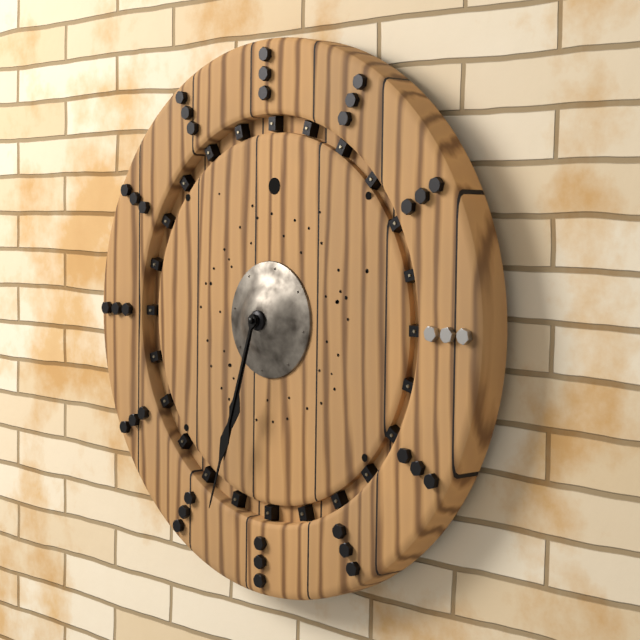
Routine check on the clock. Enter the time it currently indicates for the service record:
6:33
